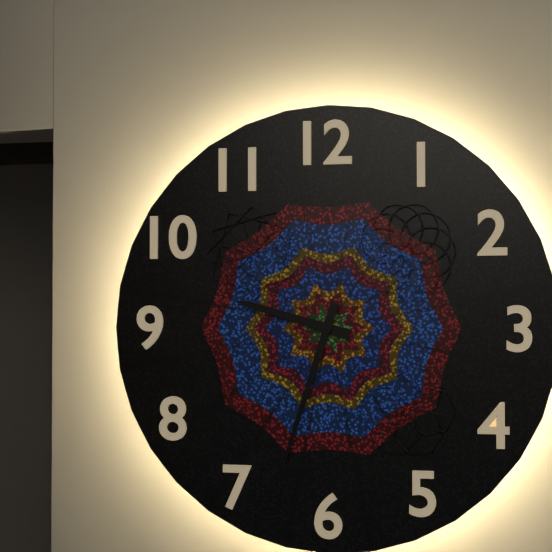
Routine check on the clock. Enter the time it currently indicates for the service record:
9:33
